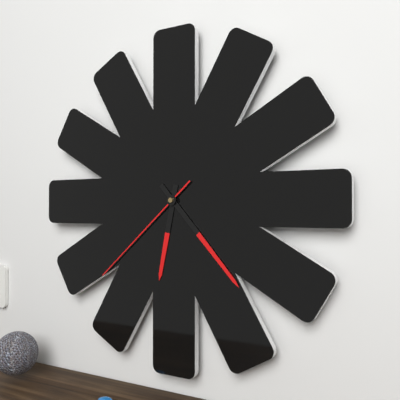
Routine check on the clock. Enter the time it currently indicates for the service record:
6:23:38
